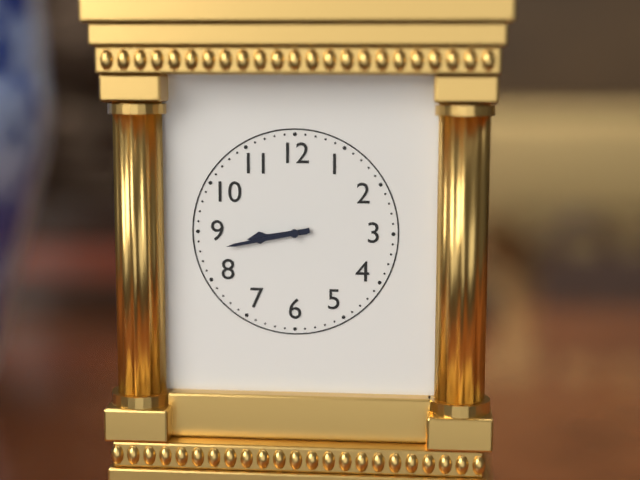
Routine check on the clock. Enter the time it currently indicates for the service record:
8:43
